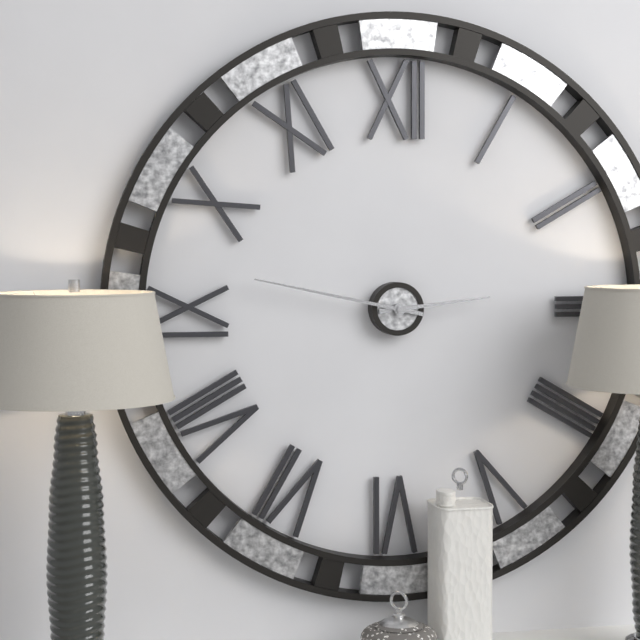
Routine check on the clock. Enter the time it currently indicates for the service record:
2:47
